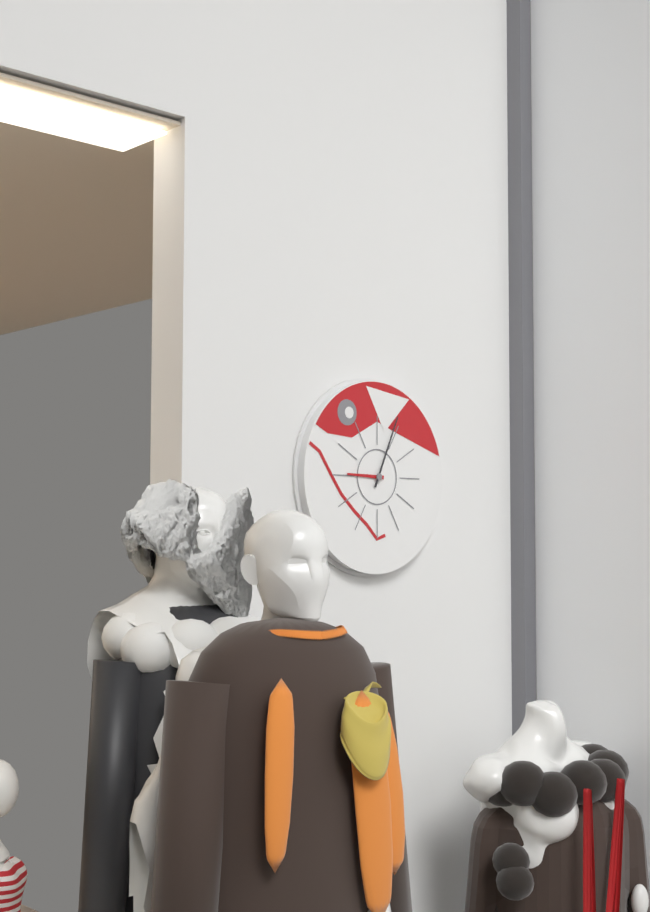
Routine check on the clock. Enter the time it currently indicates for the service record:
9:04
